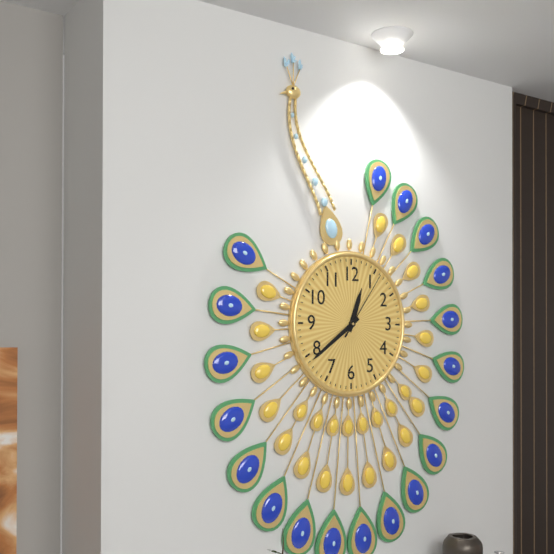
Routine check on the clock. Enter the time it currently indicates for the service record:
12:39:06
